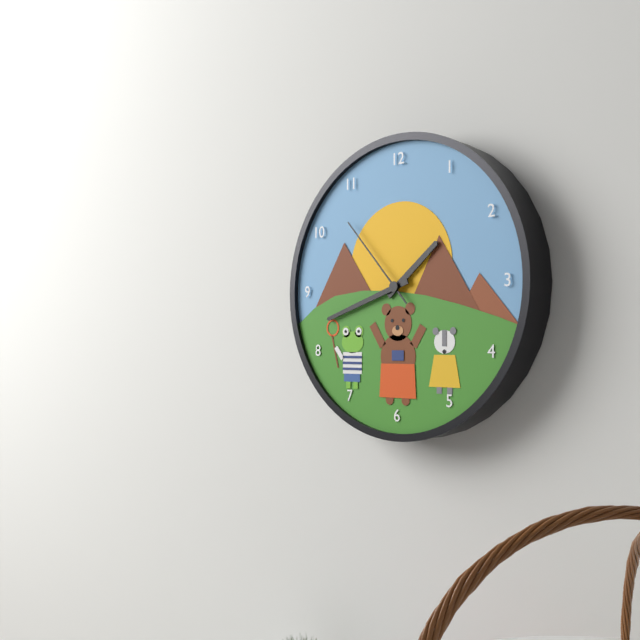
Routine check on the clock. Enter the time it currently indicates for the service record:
1:42:53
